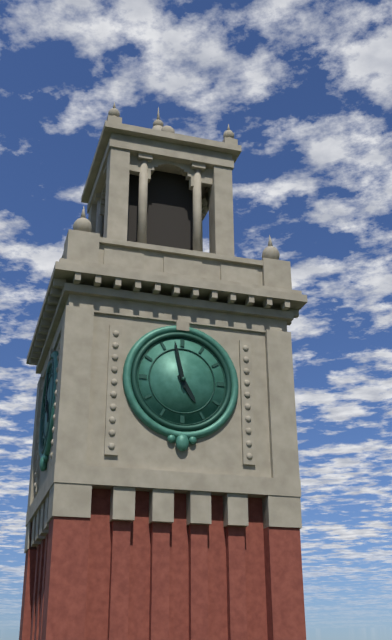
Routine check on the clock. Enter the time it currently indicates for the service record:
4:58
